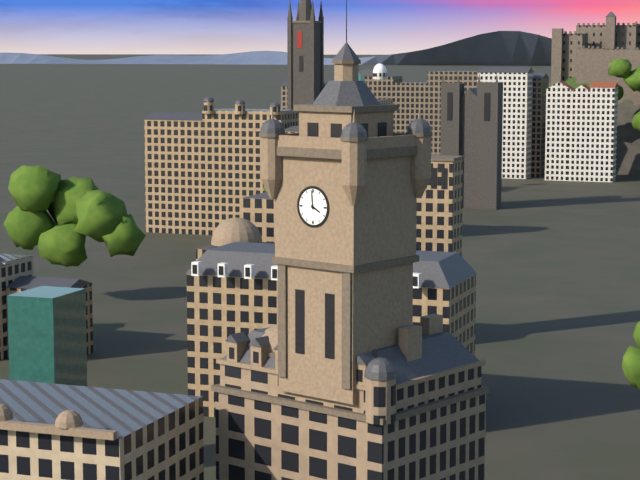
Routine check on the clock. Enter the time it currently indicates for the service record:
3:59
